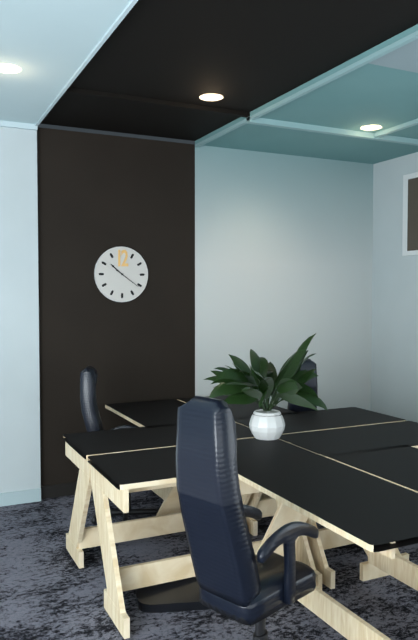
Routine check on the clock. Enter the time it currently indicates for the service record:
10:21
